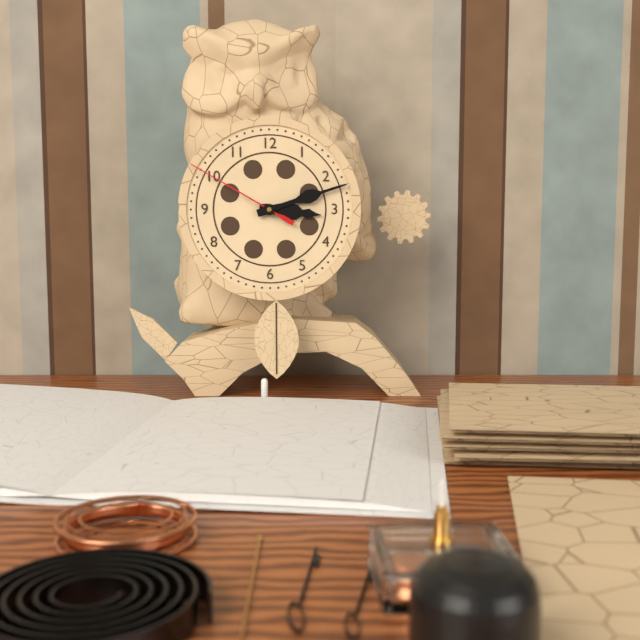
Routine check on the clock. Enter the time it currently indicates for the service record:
3:12:50
